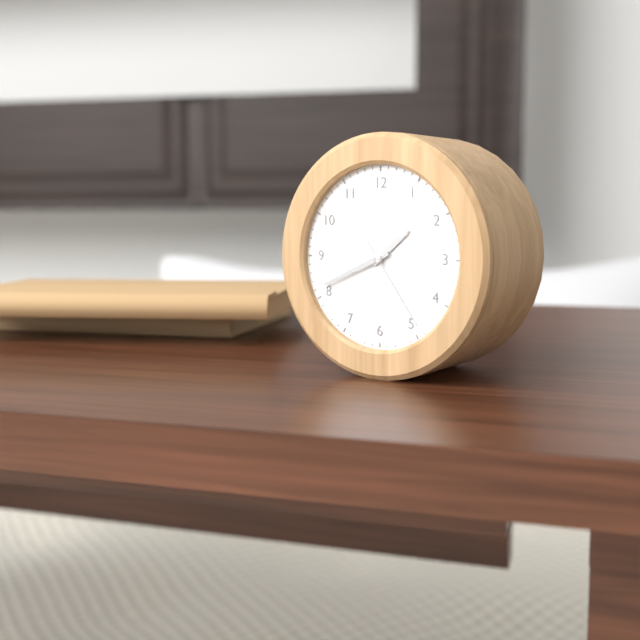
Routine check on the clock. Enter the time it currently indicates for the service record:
1:41:24
